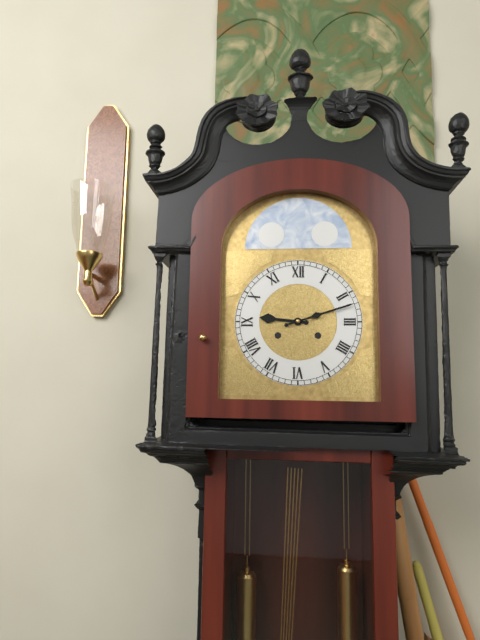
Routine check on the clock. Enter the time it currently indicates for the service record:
9:12
